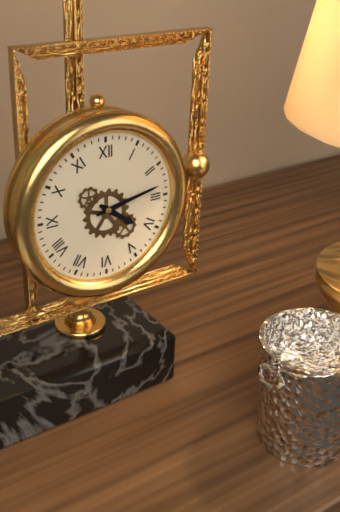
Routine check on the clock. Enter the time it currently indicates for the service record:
4:13
